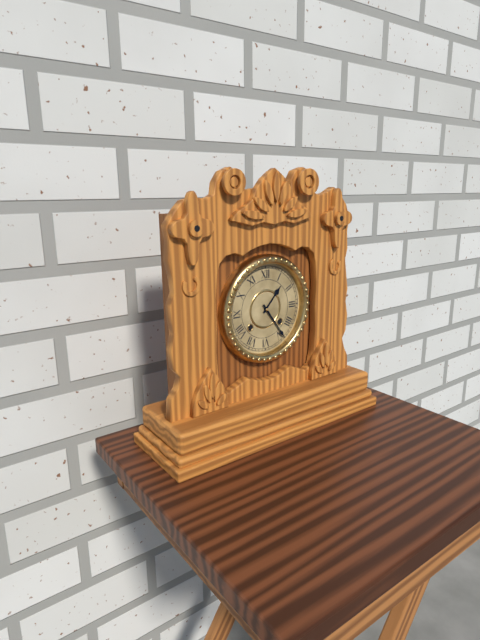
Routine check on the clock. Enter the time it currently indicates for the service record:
1:24
